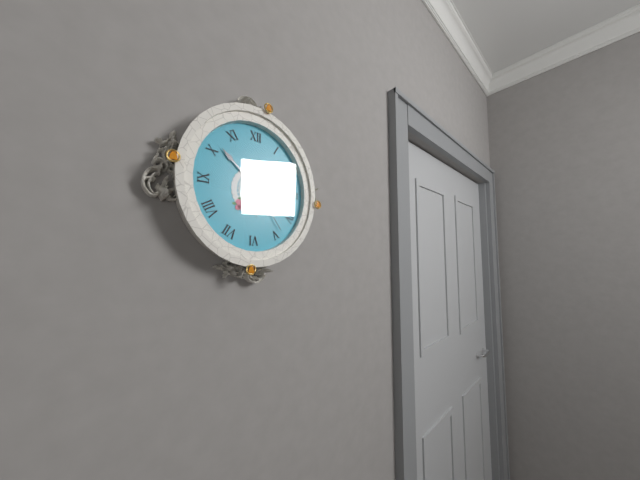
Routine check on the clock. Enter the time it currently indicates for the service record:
5:52:24
